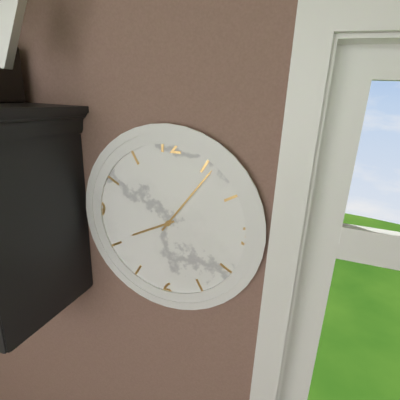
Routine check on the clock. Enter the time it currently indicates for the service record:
8:06
